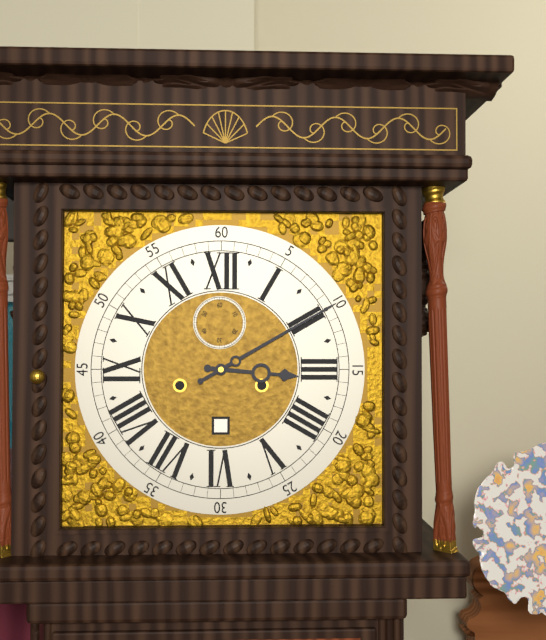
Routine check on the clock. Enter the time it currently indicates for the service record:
3:10
